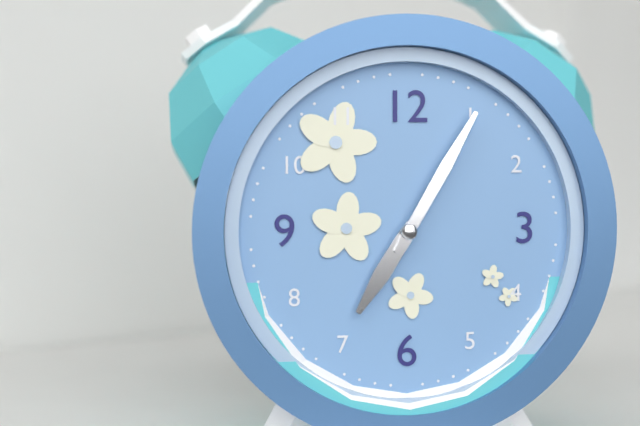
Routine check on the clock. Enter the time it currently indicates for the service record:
7:05
